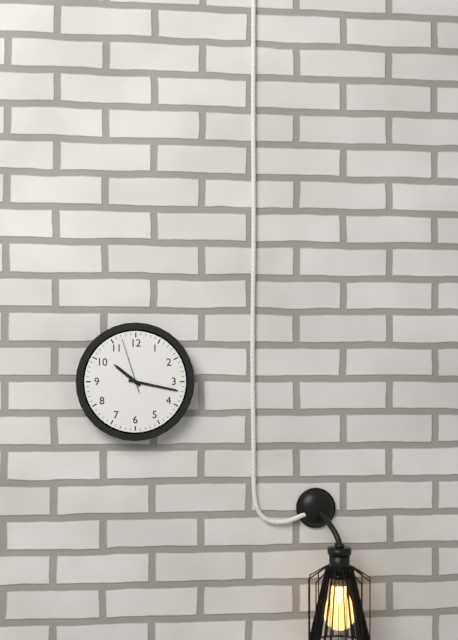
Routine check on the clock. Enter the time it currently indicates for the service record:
10:17:57
